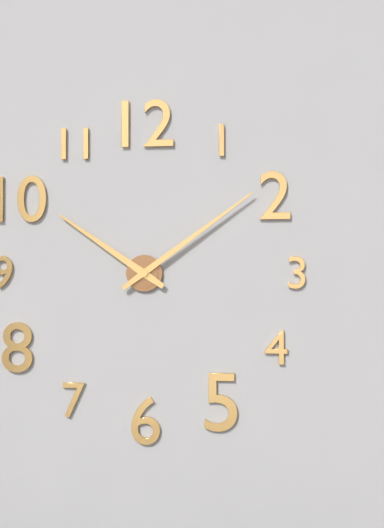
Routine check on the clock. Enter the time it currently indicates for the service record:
10:09
